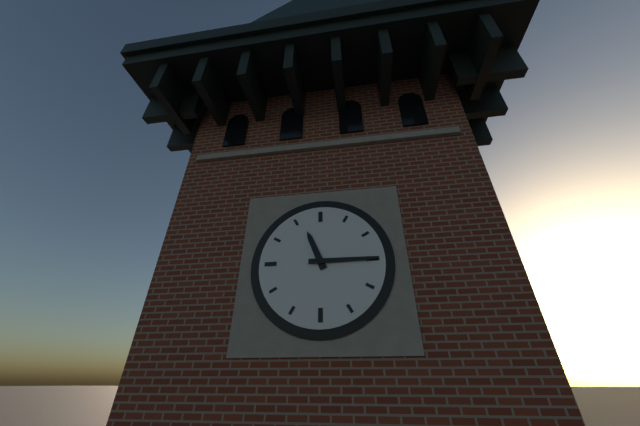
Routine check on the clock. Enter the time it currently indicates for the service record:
11:15
